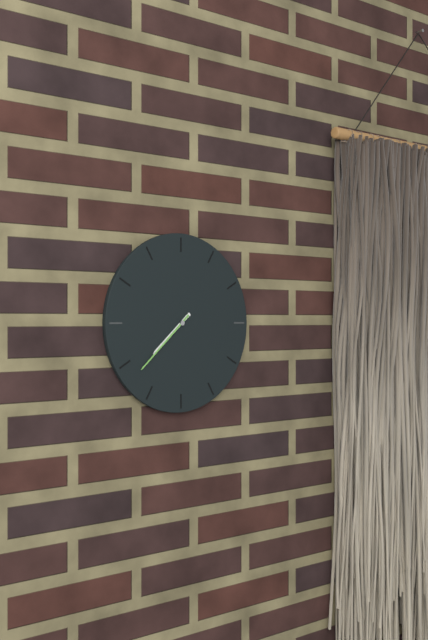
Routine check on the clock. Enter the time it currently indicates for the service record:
7:38
